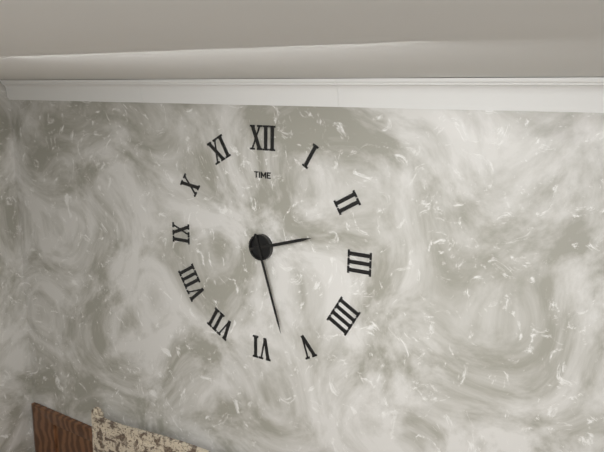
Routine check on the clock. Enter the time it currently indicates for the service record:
2:27
